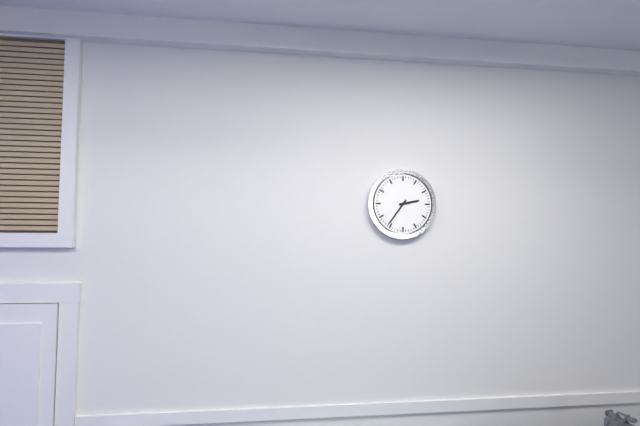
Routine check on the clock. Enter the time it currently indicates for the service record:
2:36
